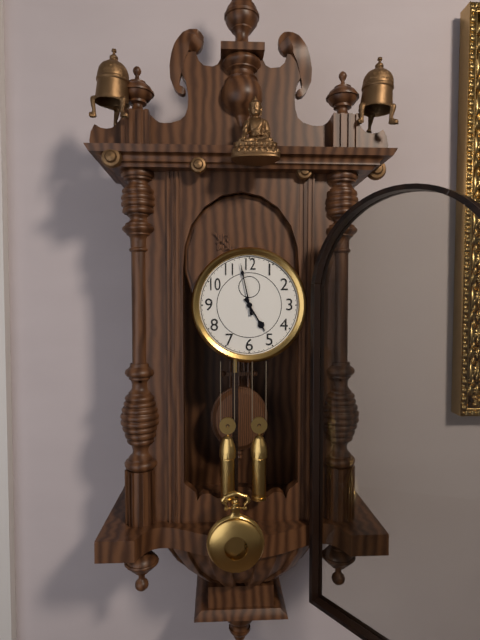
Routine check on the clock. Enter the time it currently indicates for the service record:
4:58
